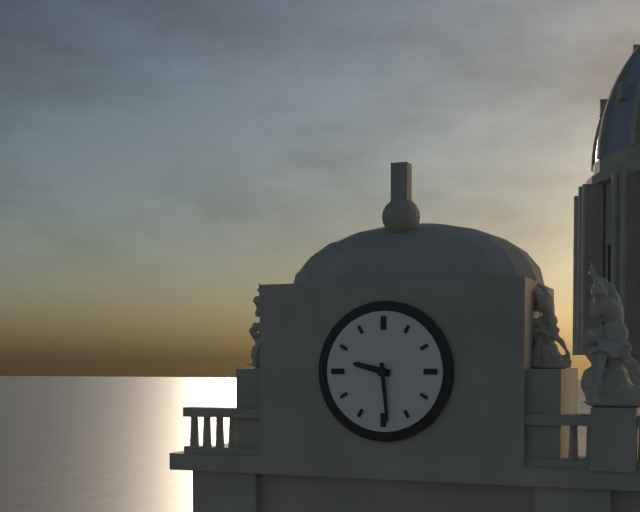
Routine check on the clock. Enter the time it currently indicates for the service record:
9:29
